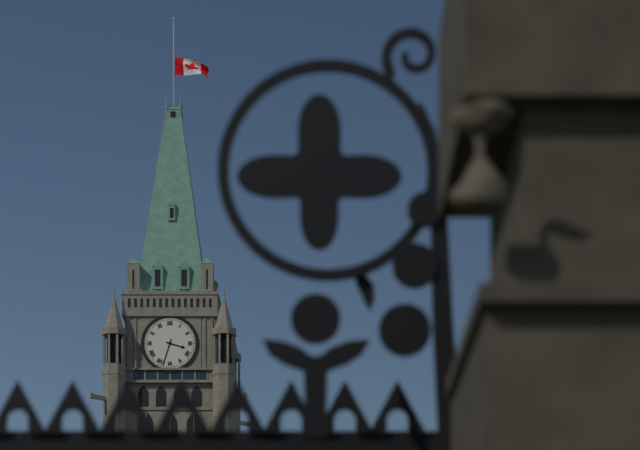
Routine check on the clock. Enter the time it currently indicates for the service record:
3:33
